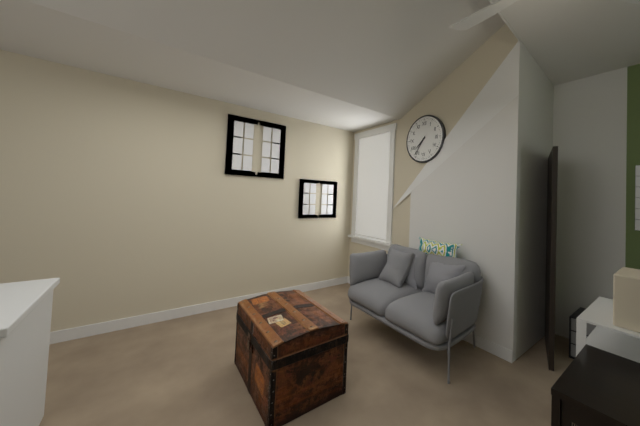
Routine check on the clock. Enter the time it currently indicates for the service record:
7:36
